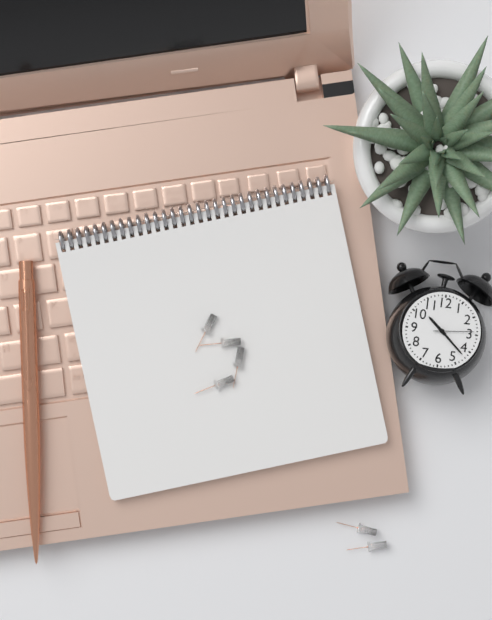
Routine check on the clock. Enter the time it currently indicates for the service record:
10:22
